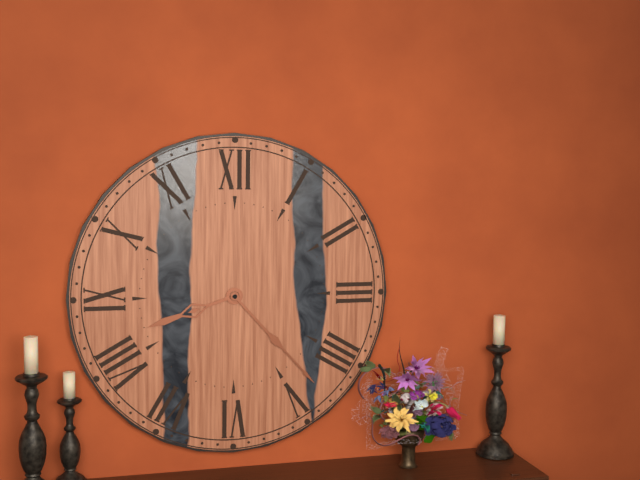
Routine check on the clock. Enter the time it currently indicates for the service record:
8:23
